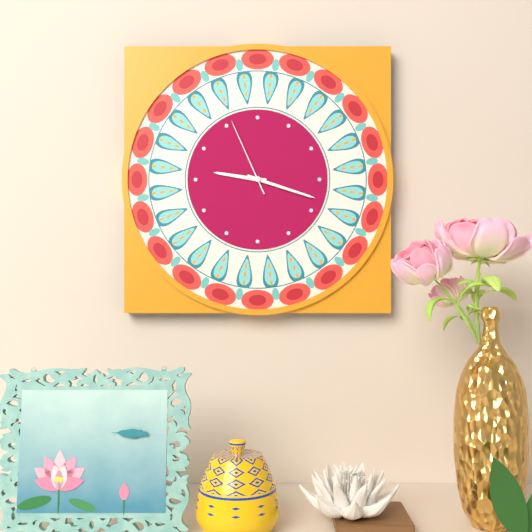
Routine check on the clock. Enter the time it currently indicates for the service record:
9:18:56
